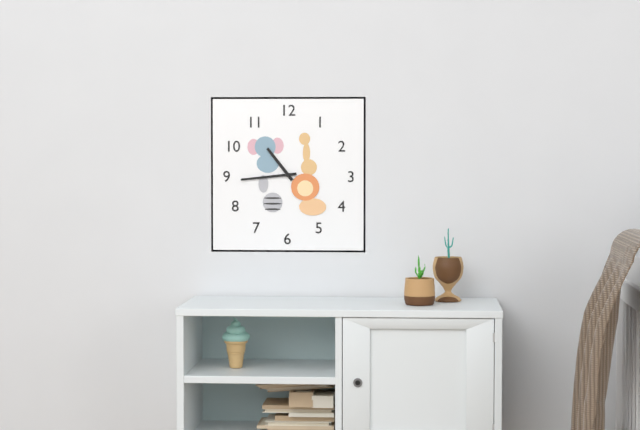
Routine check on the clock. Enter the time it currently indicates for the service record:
10:44
